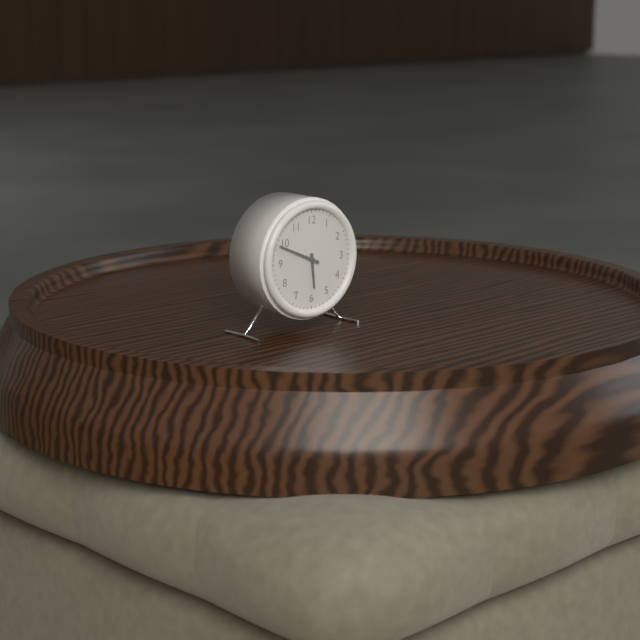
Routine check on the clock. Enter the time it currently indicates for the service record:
5:49
